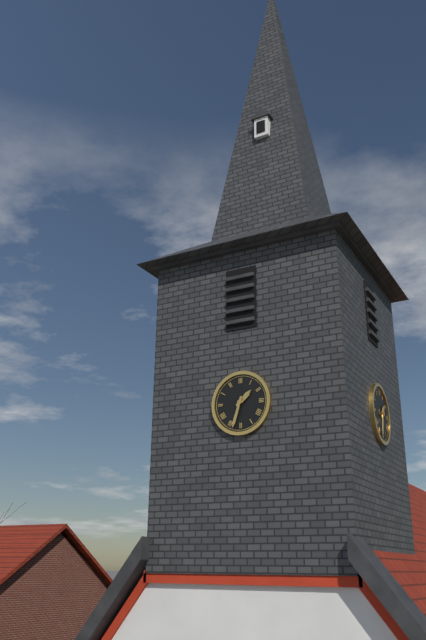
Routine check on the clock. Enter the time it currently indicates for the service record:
1:33
